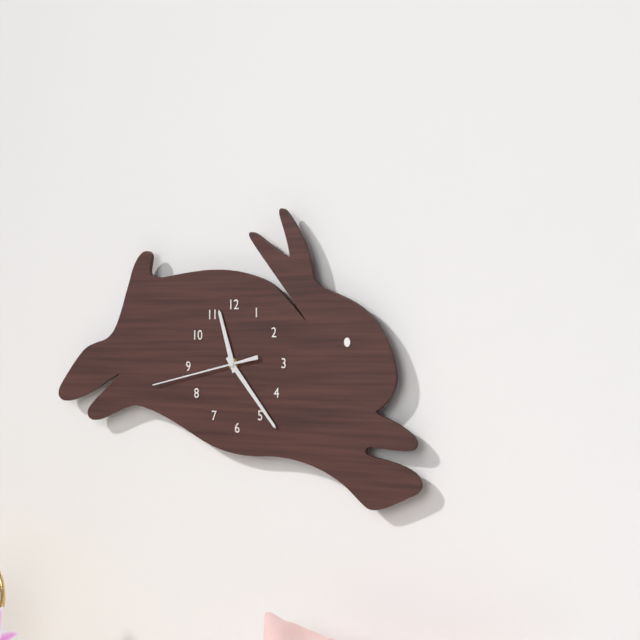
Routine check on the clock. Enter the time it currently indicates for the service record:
11:23:43
